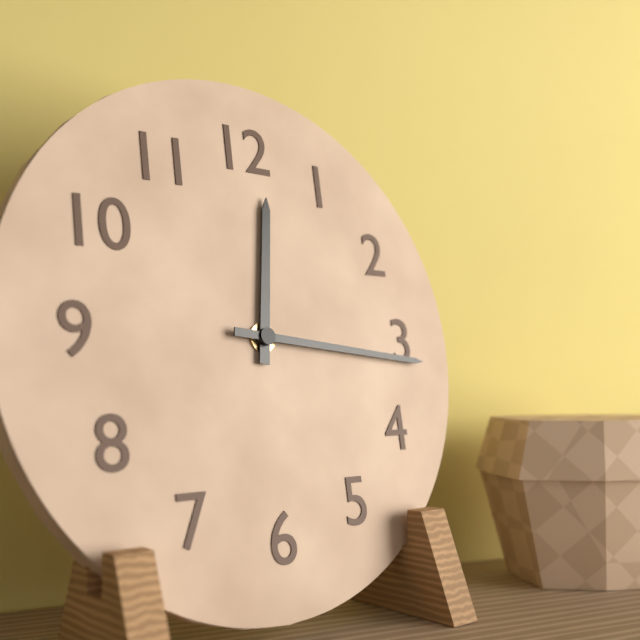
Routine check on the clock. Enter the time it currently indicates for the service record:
12:16
